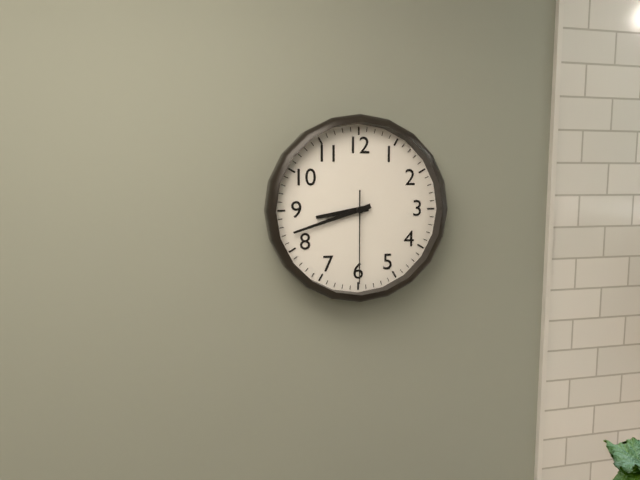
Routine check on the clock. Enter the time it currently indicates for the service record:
8:42:30
